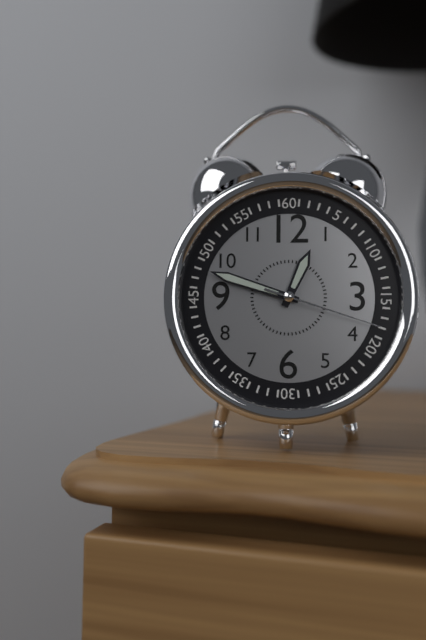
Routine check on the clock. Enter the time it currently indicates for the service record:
12:48:18
